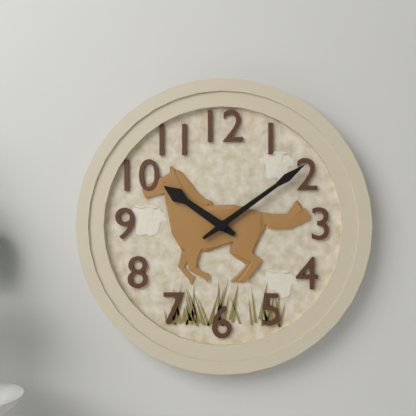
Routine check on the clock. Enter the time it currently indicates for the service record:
10:09
